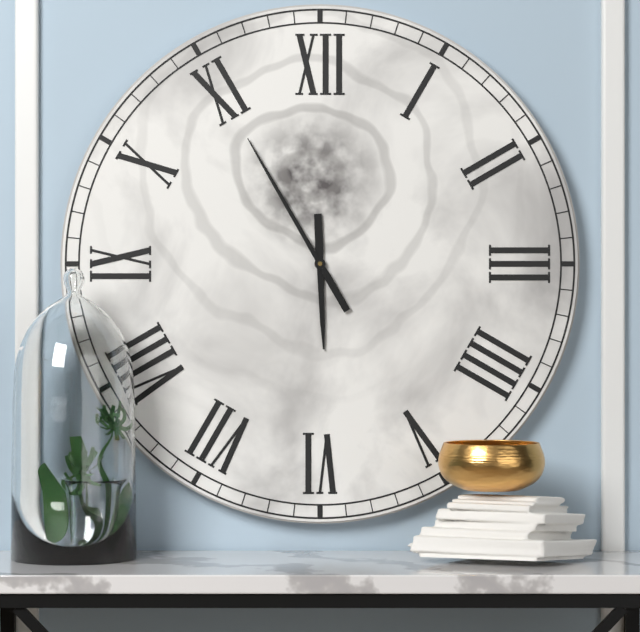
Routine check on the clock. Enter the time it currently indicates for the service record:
5:55
